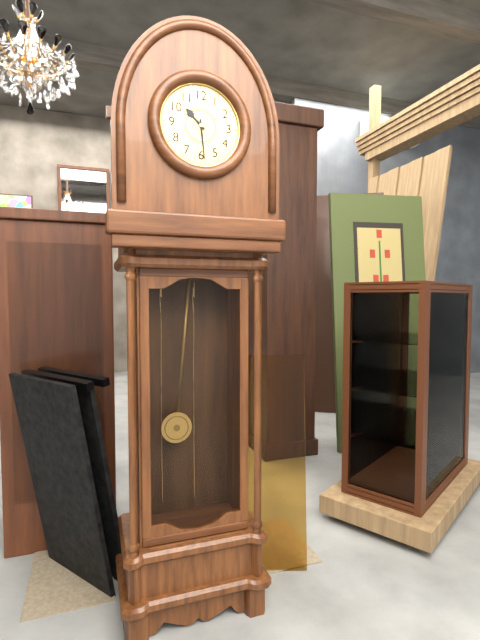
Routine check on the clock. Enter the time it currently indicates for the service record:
10:29
